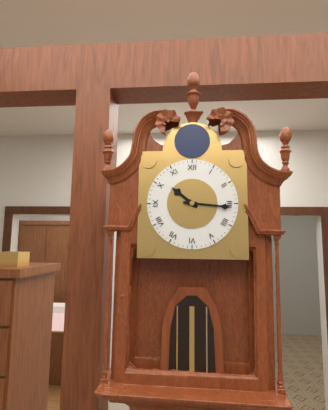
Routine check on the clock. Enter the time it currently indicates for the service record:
10:16
